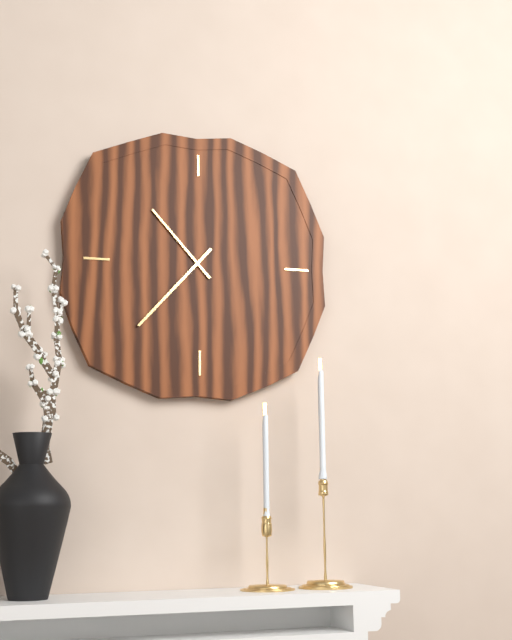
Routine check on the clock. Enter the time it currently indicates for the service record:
10:37
